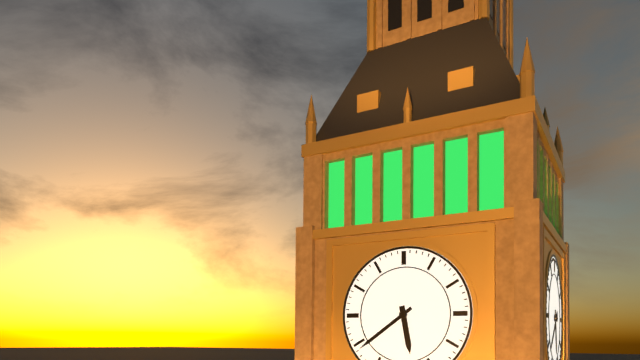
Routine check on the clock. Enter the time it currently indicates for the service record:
5:39
